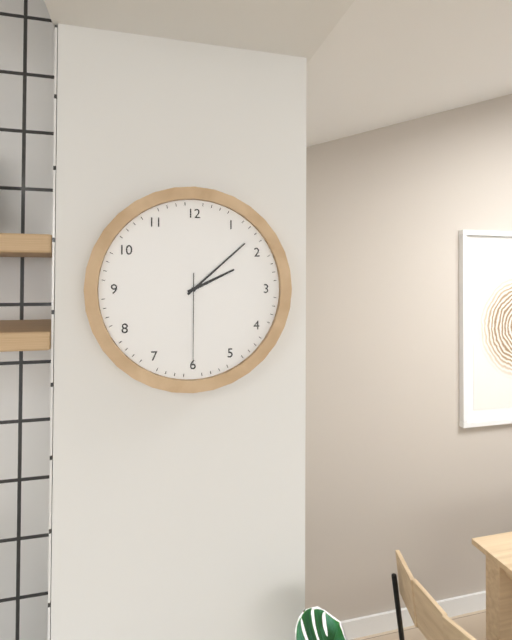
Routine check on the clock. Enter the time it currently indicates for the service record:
2:08:30
